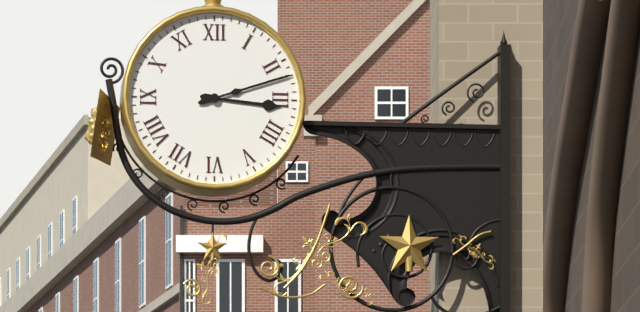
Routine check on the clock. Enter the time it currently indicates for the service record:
3:12
